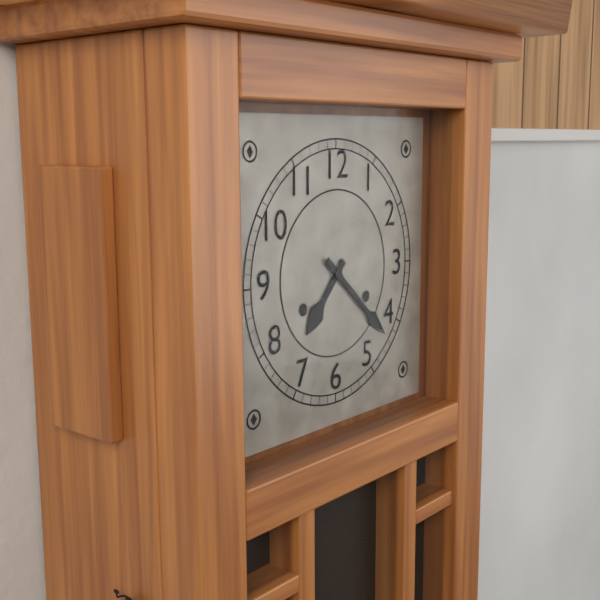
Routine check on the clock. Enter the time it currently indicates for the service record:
7:22
